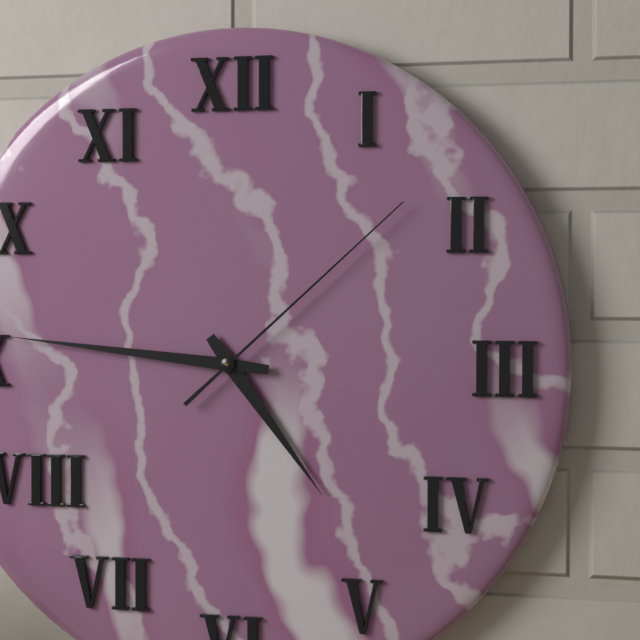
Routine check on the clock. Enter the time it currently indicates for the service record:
4:46:08
